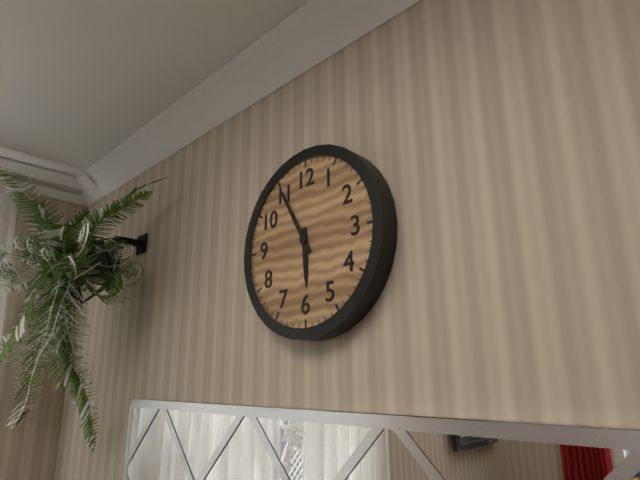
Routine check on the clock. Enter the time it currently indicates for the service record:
5:55
